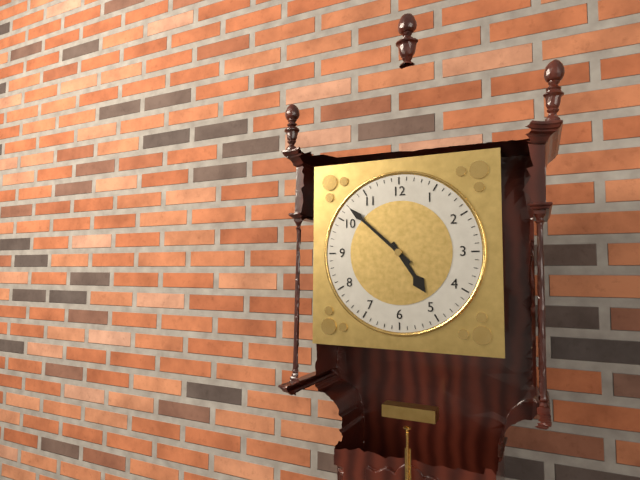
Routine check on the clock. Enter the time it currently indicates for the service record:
4:52
